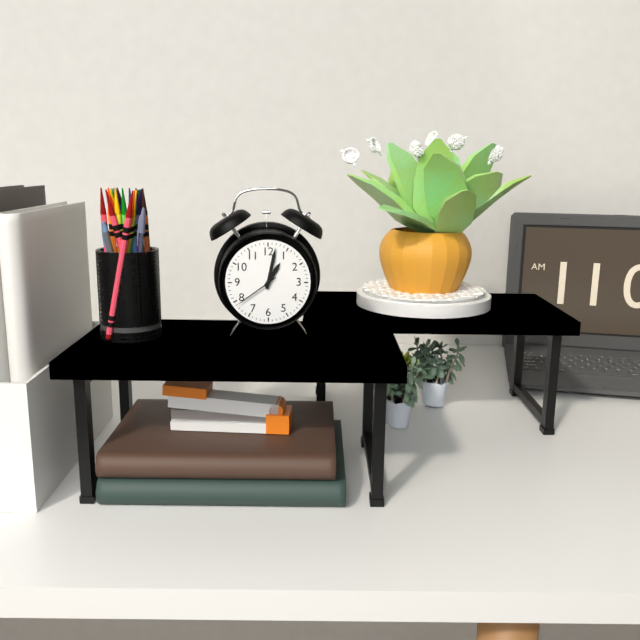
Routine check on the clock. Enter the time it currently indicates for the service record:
1:02
